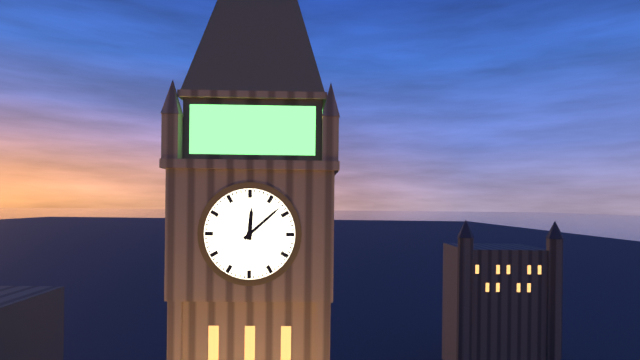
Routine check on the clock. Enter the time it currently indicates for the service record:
12:08
